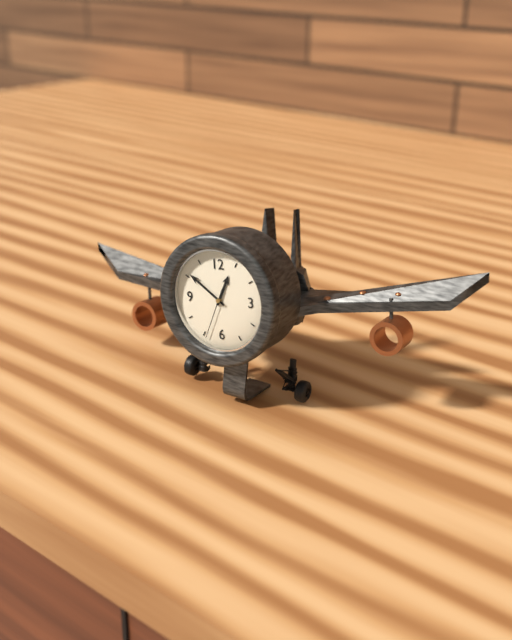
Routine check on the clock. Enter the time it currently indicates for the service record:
12:51:34
